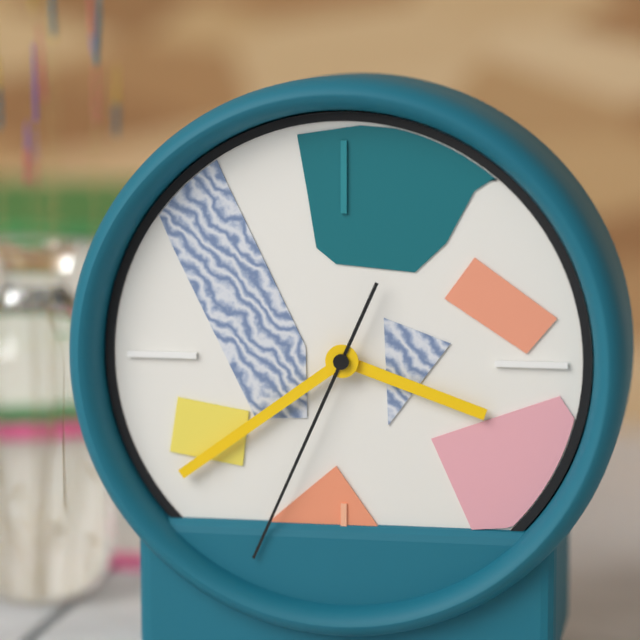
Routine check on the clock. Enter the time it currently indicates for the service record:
3:39:34
